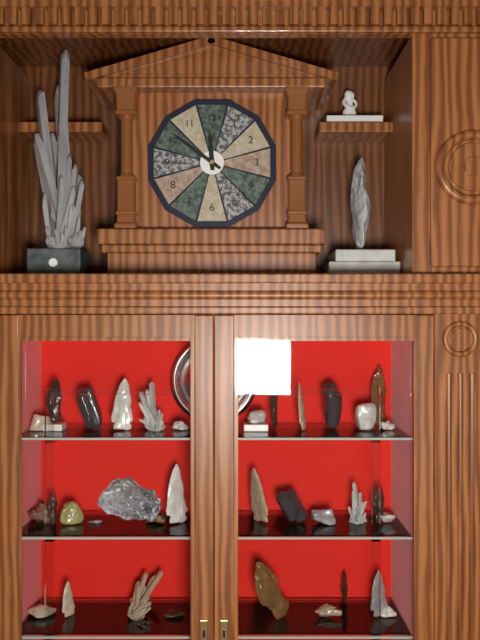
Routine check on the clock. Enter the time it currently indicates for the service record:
11:51
